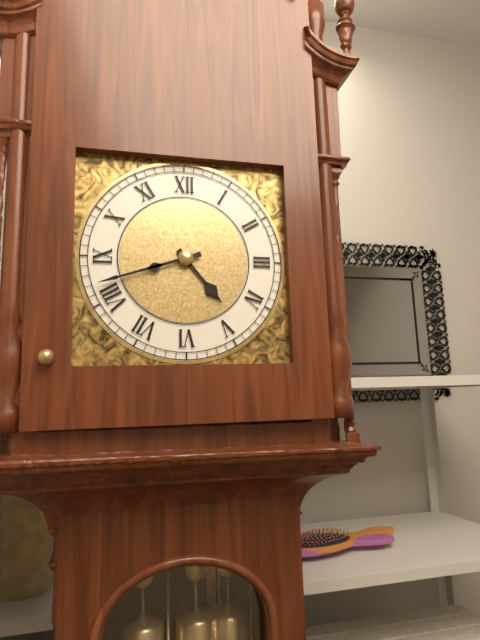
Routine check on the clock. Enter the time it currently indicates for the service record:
4:42
